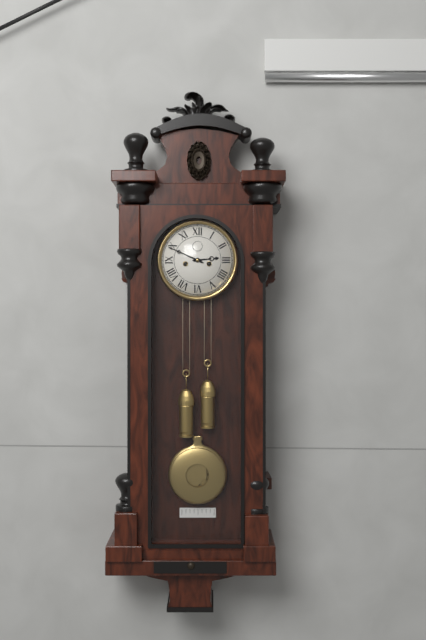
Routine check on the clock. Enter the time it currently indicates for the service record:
2:49
